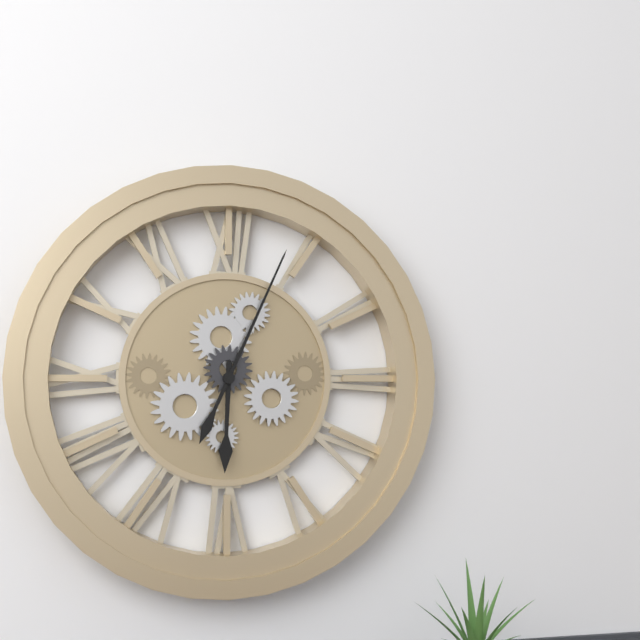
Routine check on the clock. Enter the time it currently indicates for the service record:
6:04
